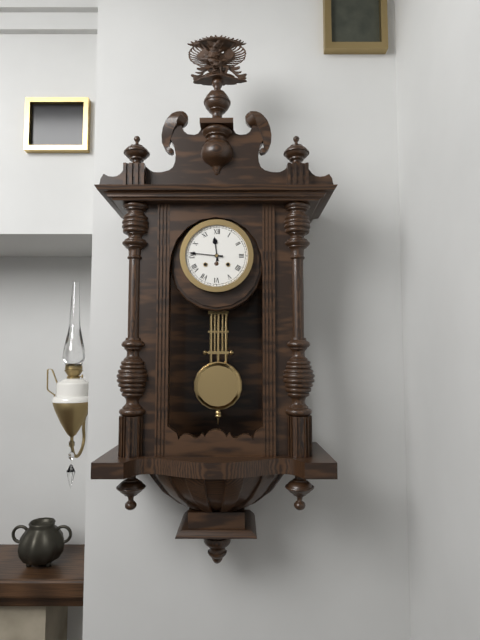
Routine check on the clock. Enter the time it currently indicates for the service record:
11:46
